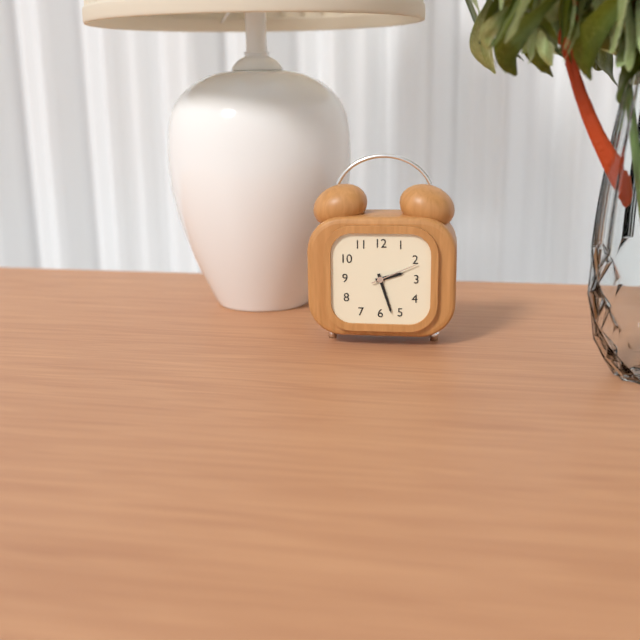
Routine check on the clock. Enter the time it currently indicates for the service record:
2:27:11
